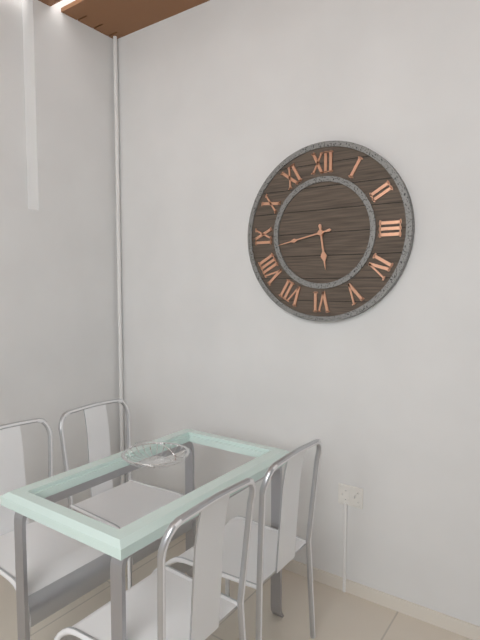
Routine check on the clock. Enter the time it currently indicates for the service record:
5:43
